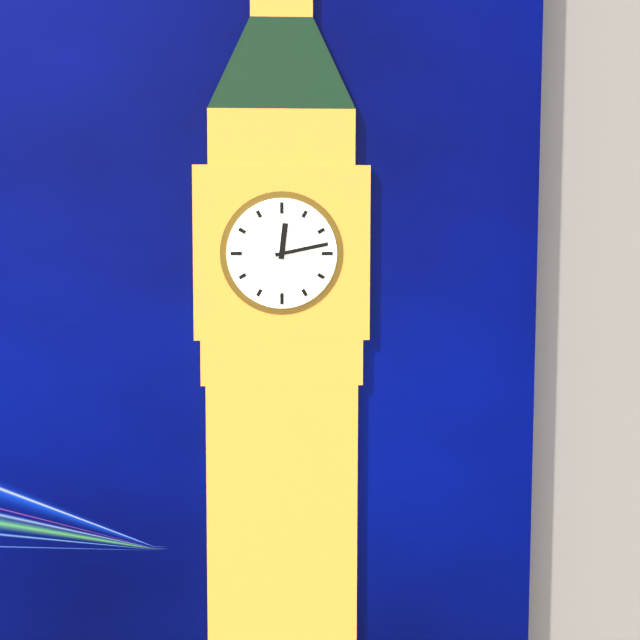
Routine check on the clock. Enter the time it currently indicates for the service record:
12:13
